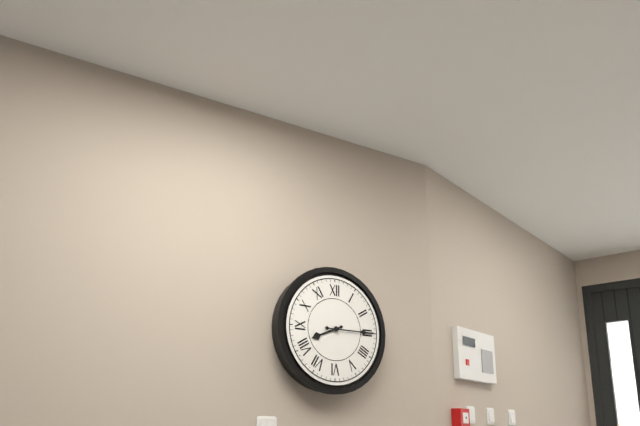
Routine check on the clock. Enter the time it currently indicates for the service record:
8:15
